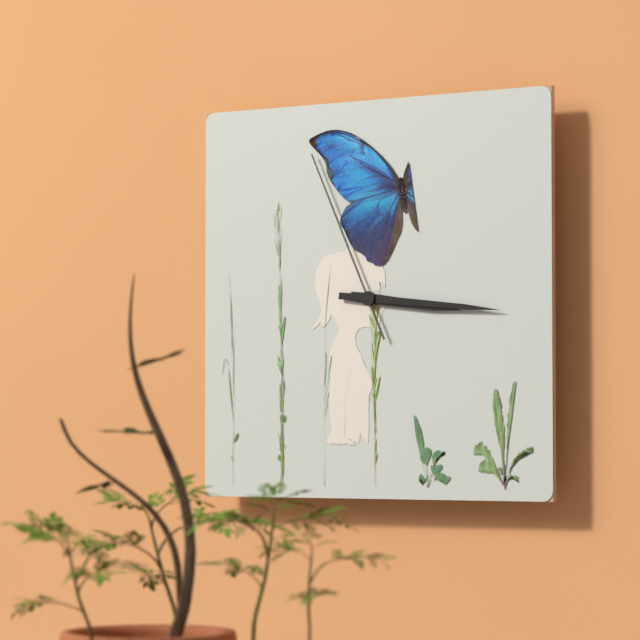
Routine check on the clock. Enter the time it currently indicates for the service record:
3:16:56
